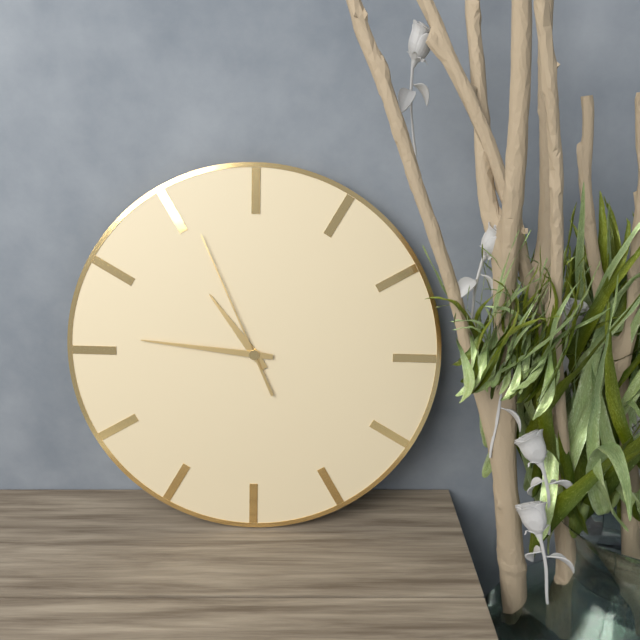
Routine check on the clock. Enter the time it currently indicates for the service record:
10:46:56
